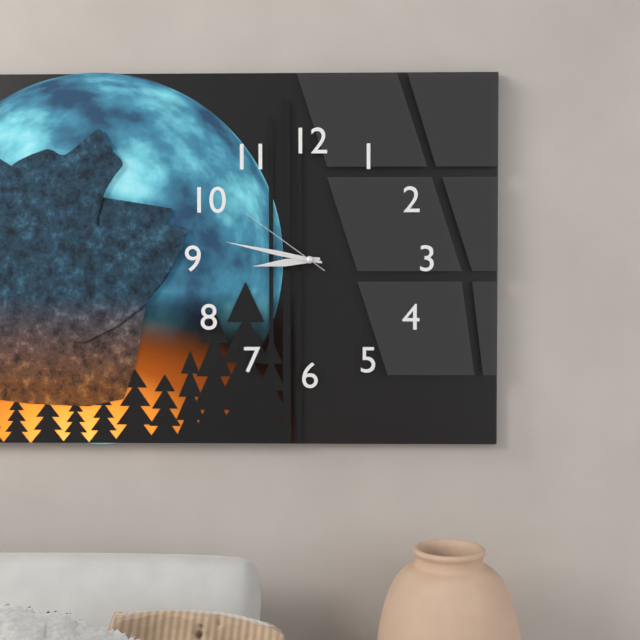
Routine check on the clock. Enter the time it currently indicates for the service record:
8:47:51
